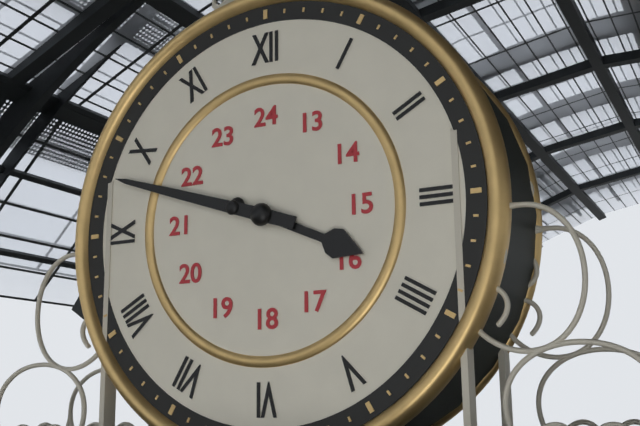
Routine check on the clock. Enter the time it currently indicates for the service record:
3:48
